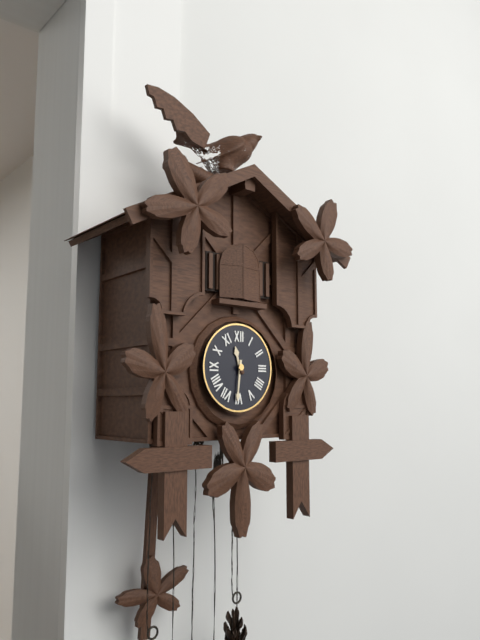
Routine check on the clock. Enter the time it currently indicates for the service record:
11:31
